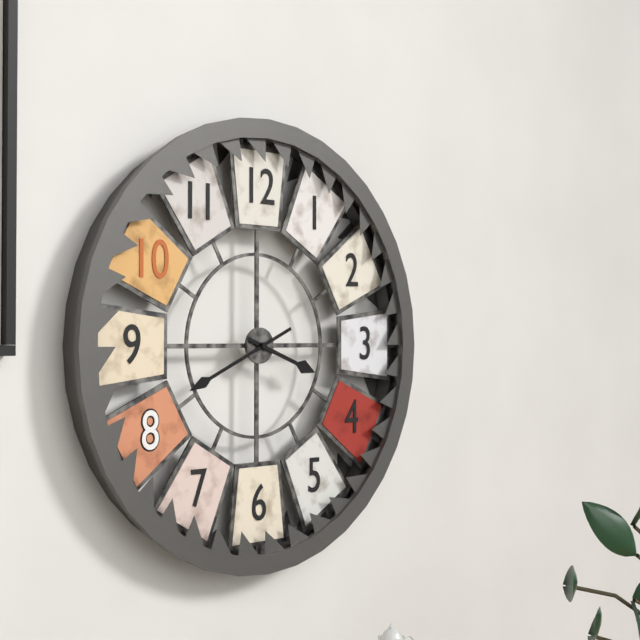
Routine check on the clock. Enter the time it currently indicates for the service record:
3:41
